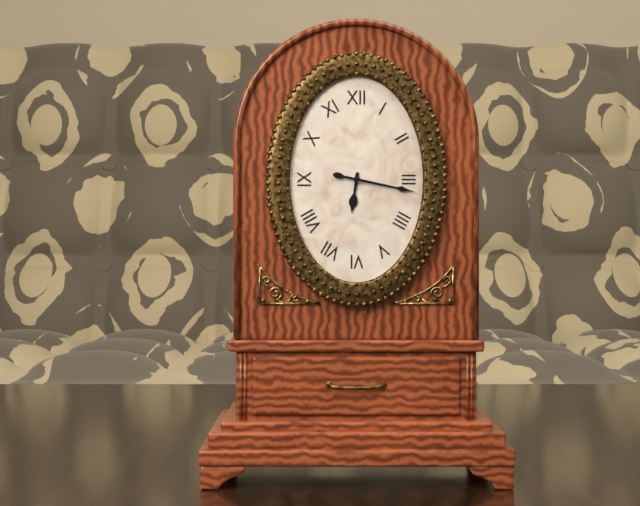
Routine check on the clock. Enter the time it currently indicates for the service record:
6:17
